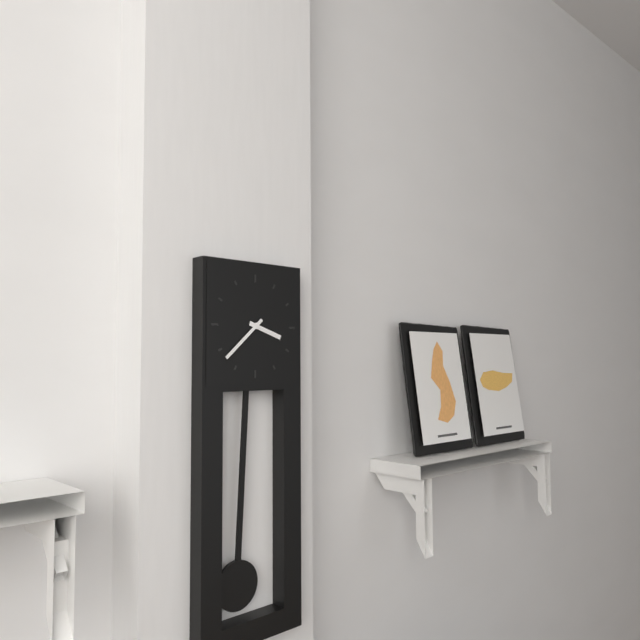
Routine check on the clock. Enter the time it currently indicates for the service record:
3:38
